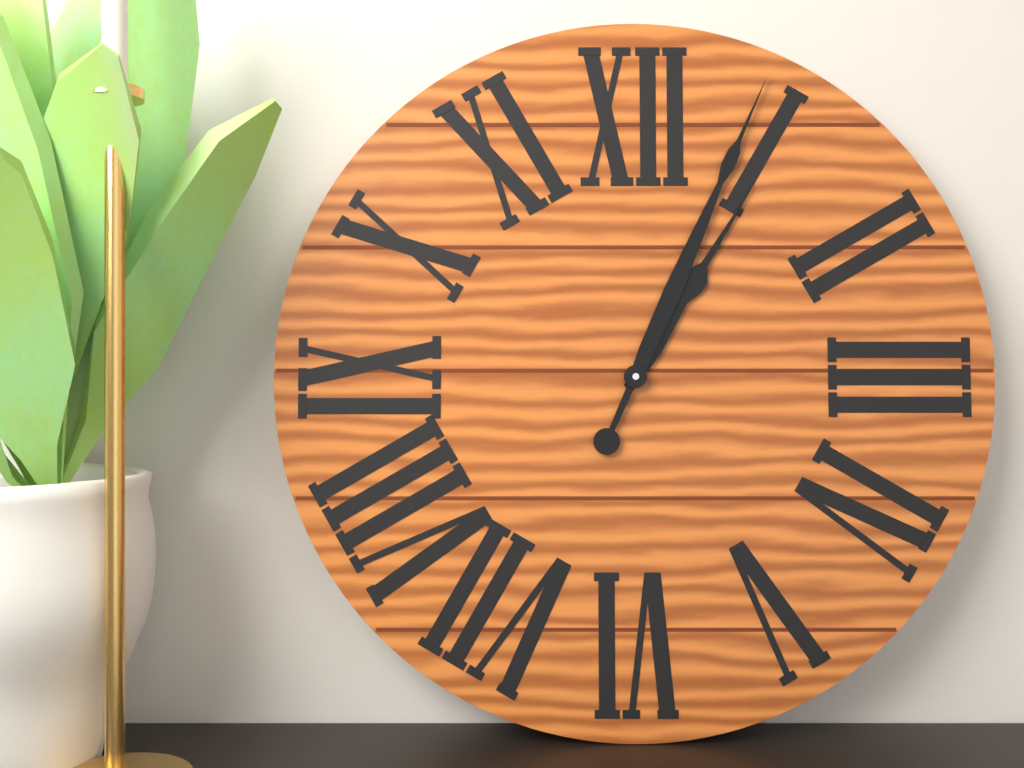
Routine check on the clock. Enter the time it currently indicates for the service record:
1:04
